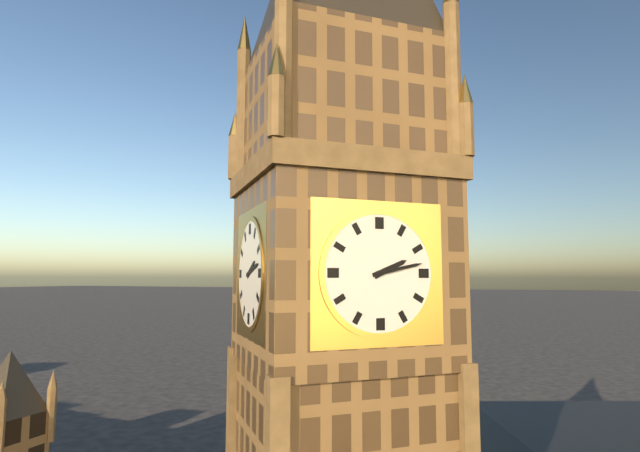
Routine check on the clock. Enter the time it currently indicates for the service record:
2:13
